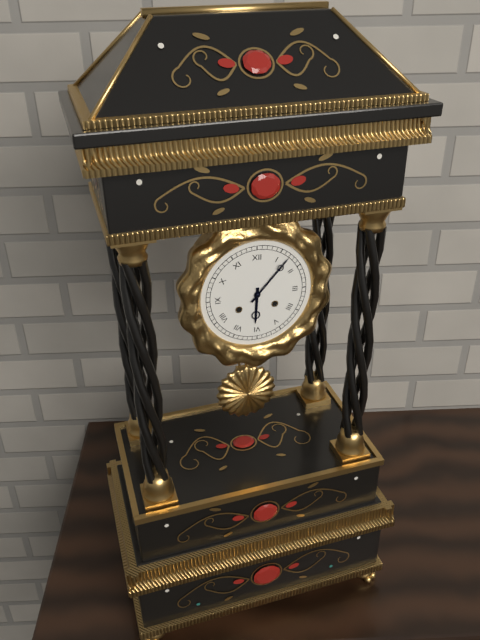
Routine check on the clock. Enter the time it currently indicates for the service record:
6:07
